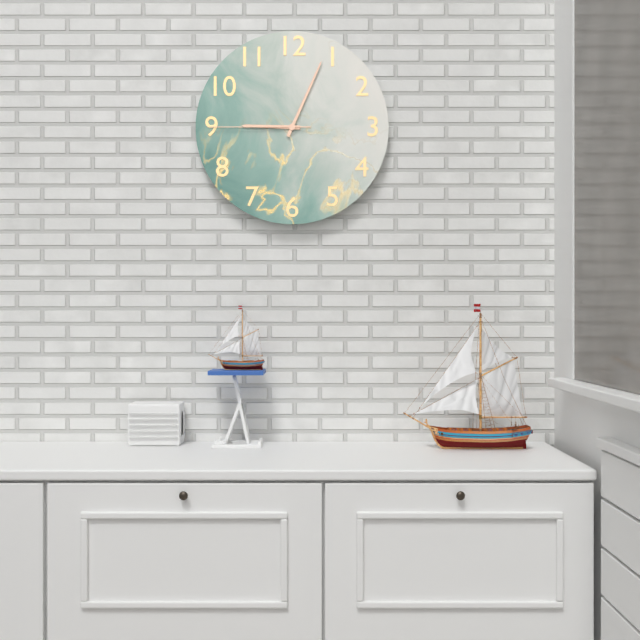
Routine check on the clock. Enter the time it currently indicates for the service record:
9:04:45
